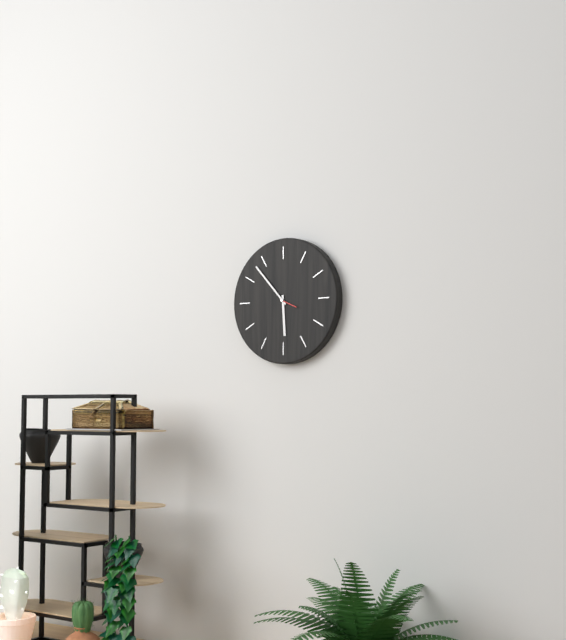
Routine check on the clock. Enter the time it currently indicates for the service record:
5:53
